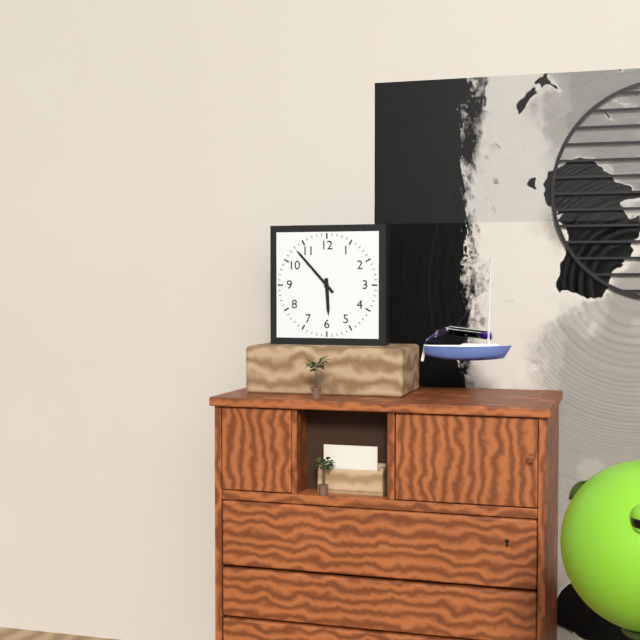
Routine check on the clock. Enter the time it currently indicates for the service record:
5:53
